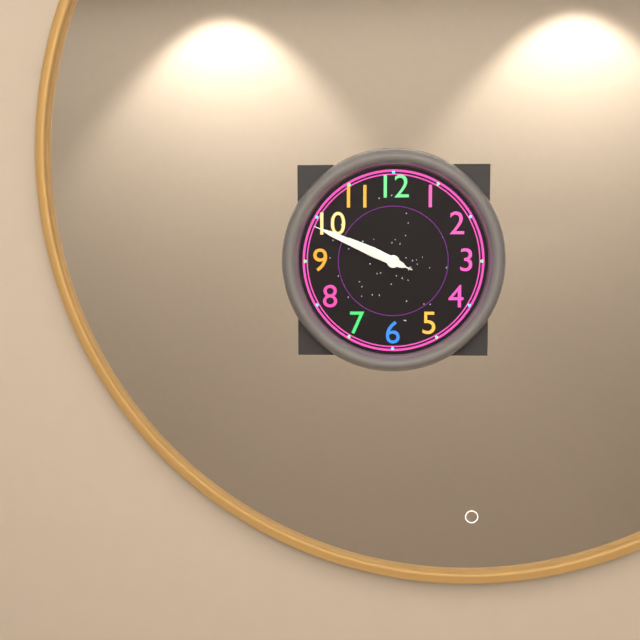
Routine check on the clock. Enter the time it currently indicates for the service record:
9:49:49
